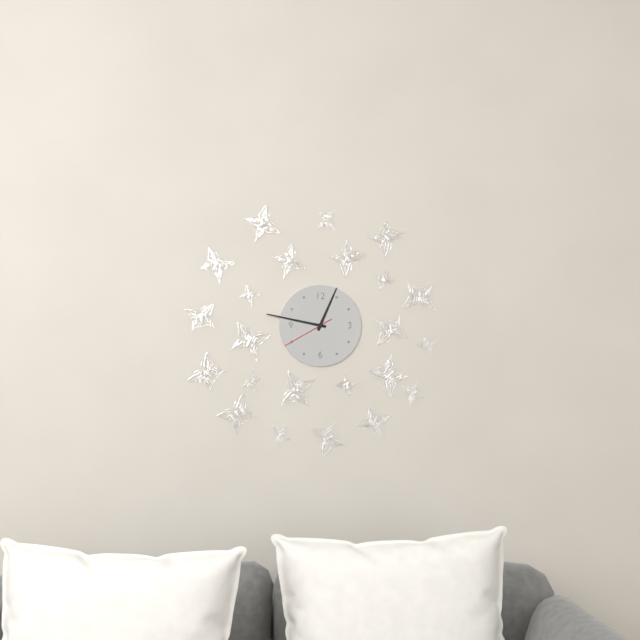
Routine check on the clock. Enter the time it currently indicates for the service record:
12:47:40
